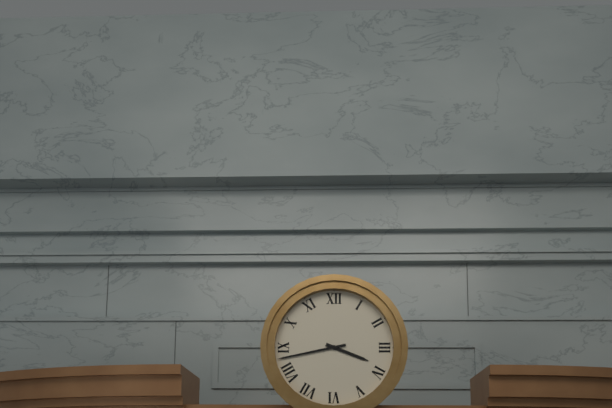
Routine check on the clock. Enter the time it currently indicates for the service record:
3:43
